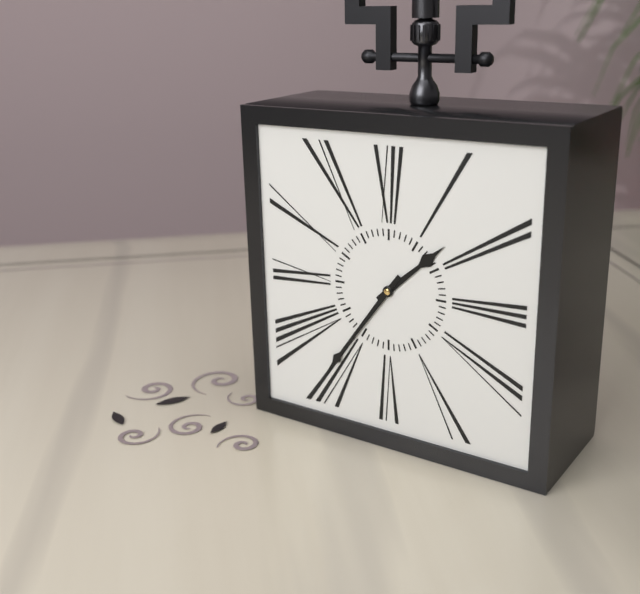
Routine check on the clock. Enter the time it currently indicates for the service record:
1:36
